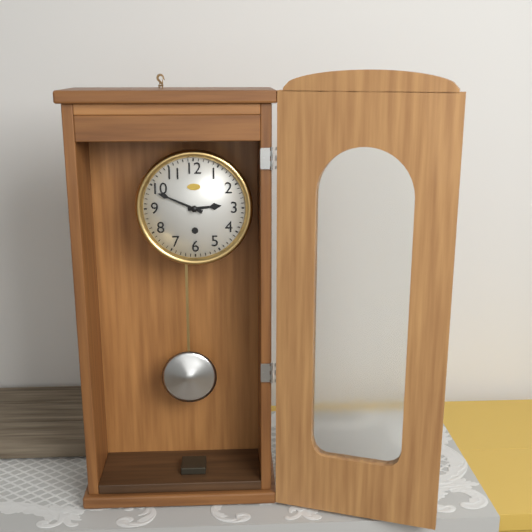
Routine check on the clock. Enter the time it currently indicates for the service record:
2:49
